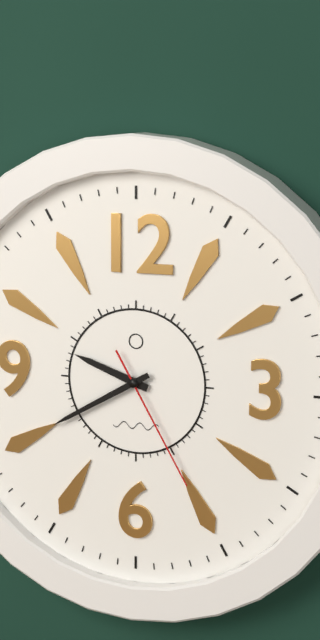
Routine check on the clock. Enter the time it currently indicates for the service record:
9:40:25
